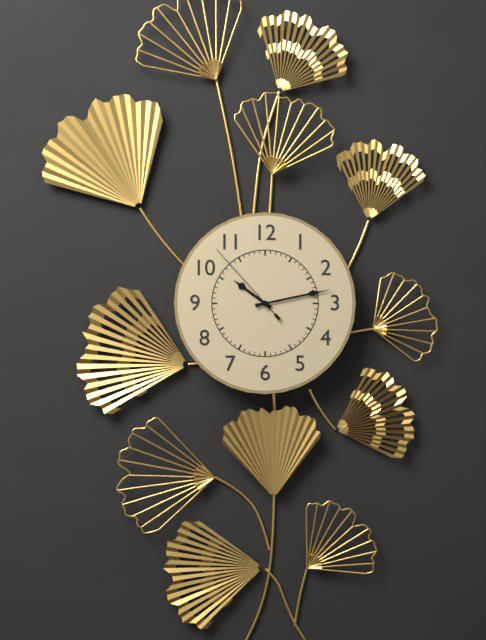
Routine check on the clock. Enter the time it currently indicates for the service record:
10:13:53
